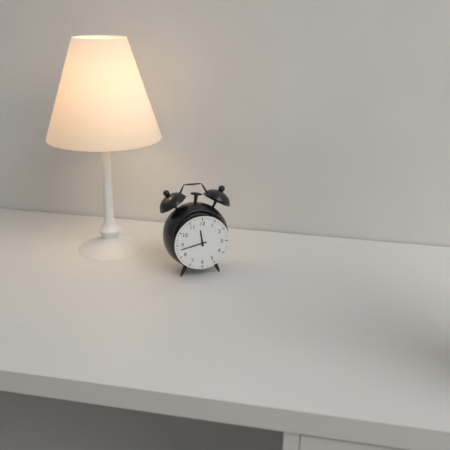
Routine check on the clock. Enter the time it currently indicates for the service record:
11:43
